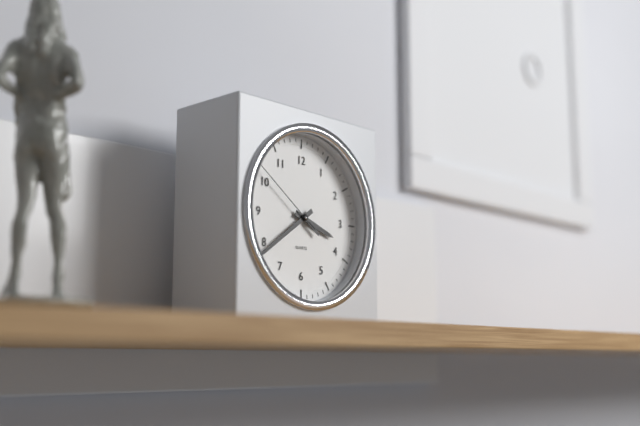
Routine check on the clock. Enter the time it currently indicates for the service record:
3:39:51
